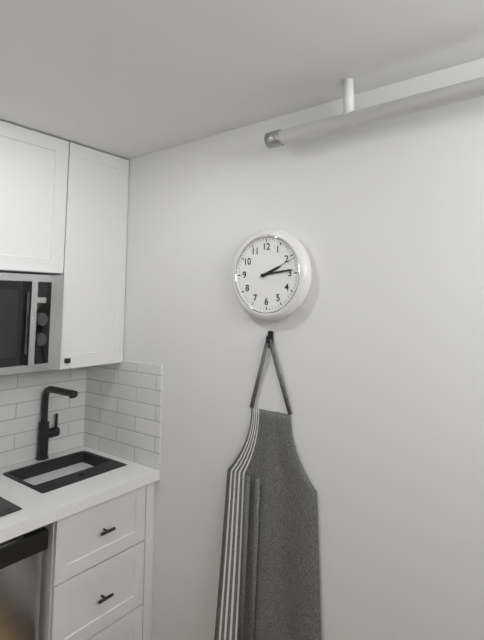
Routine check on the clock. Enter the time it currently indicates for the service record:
2:14
